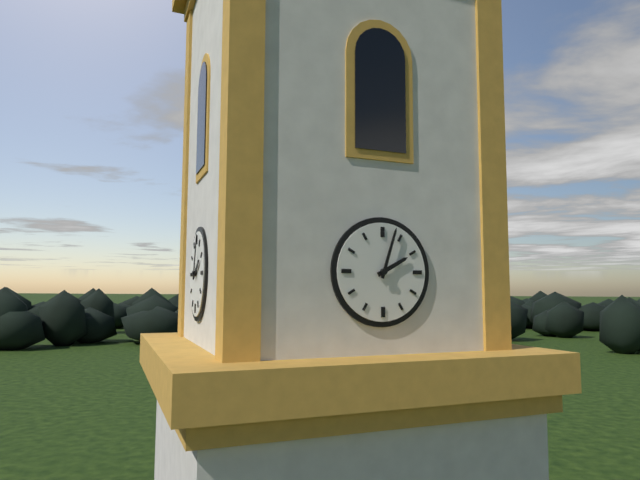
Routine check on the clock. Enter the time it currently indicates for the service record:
2:03
